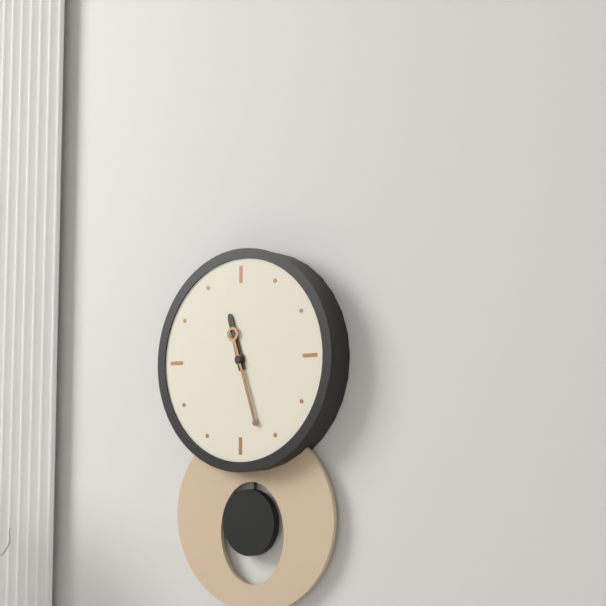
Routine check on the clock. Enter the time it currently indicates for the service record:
11:27
